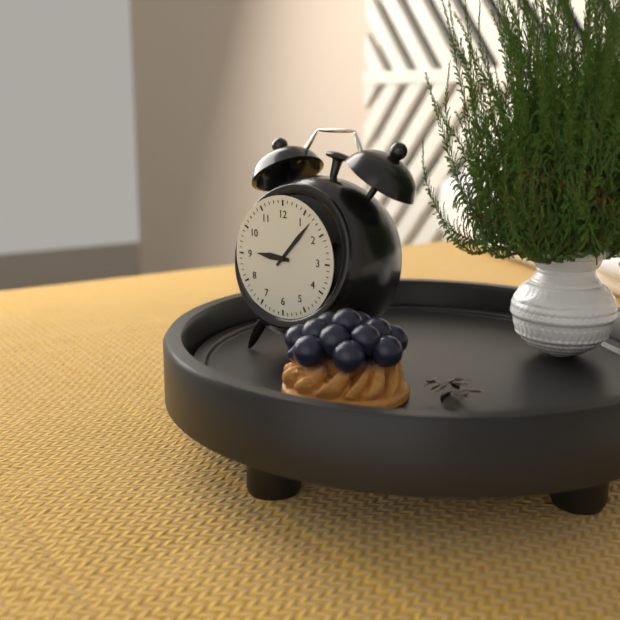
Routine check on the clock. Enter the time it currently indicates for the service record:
9:07
